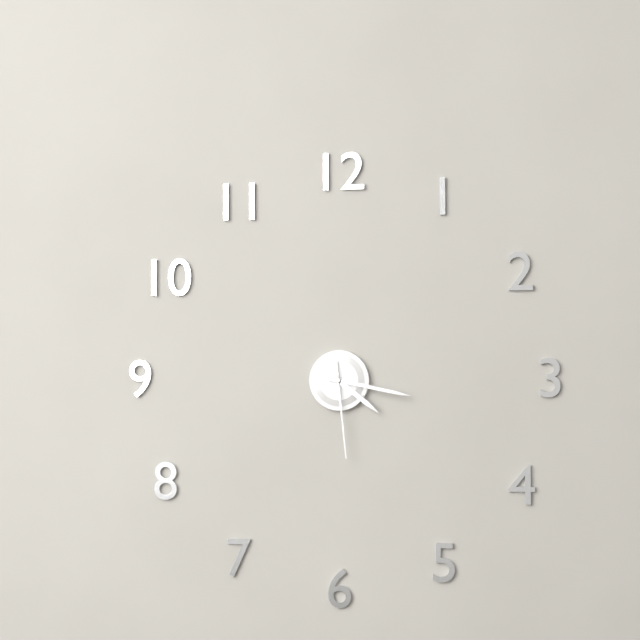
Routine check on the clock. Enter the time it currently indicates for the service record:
4:17:29
